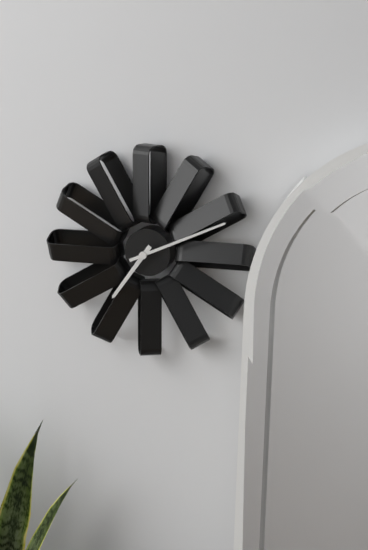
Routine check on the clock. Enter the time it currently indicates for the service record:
7:11
